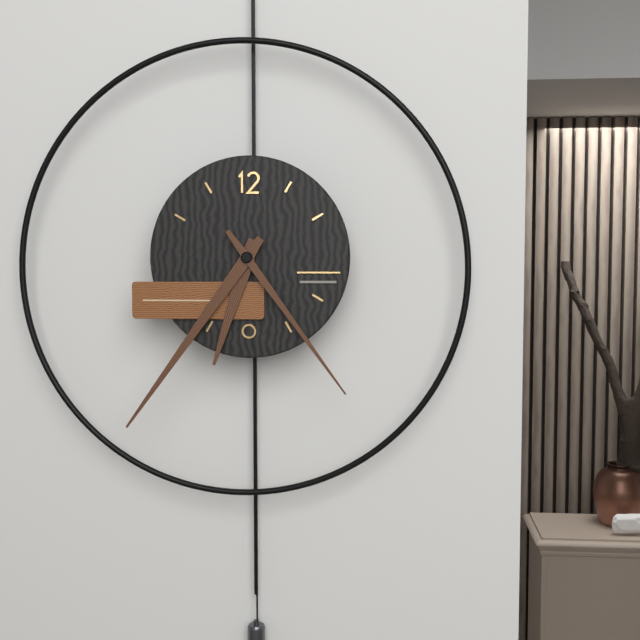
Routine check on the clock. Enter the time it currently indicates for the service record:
6:36:24
